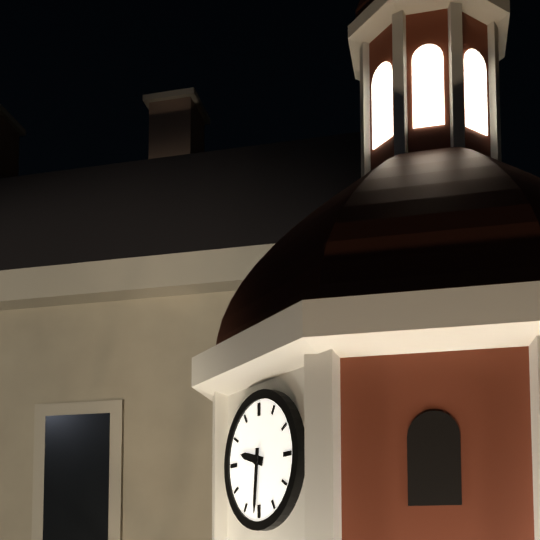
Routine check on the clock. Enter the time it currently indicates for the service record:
9:31
